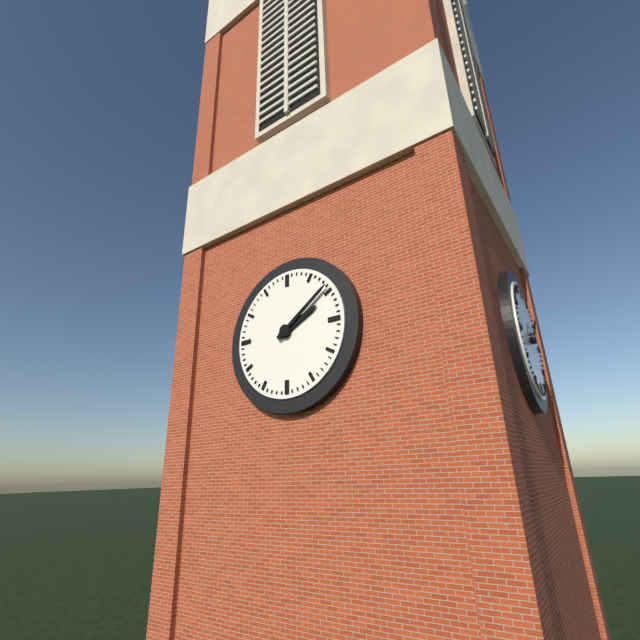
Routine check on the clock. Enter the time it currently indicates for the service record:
2:09
